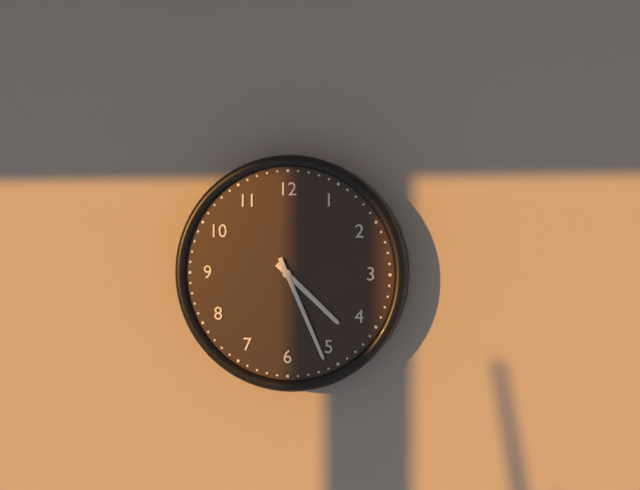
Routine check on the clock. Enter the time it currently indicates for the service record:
4:26
